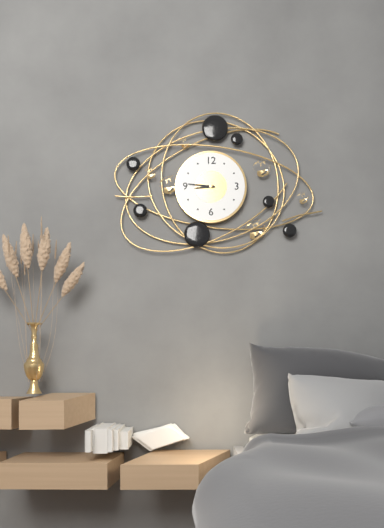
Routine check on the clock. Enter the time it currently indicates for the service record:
8:46
